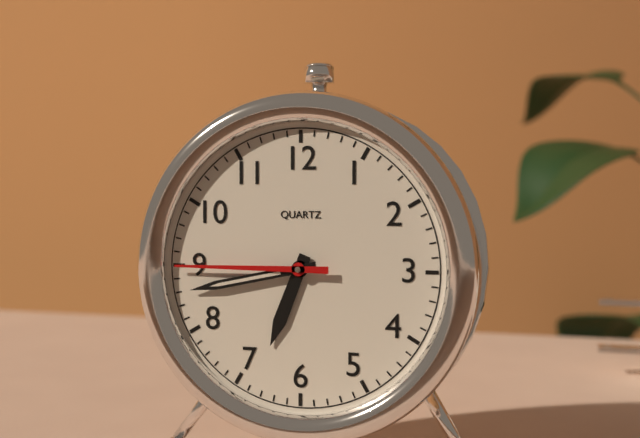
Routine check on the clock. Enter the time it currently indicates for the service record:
6:43:45
